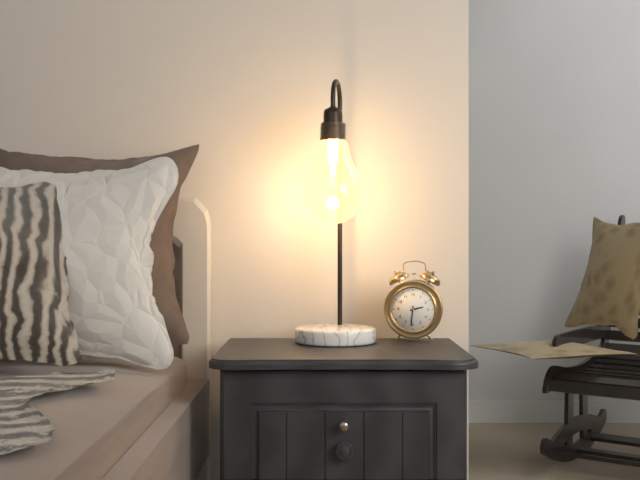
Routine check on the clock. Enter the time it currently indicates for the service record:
2:31
